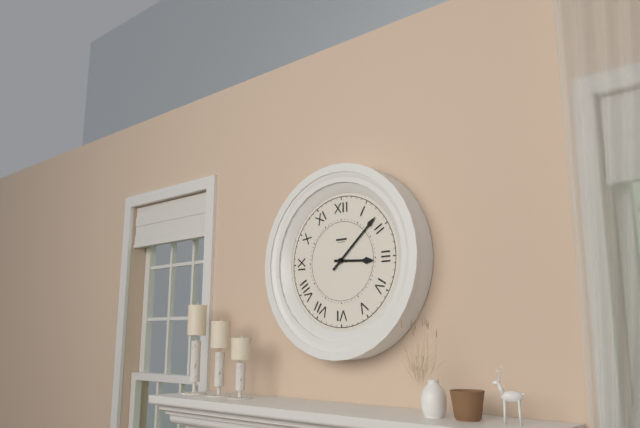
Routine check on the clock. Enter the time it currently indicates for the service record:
3:08
